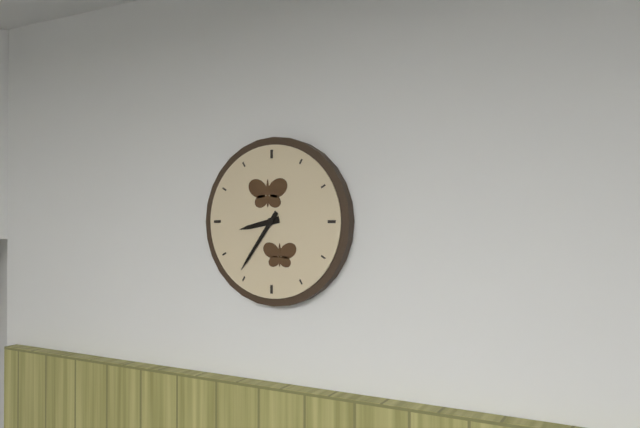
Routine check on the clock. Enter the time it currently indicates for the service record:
8:36
